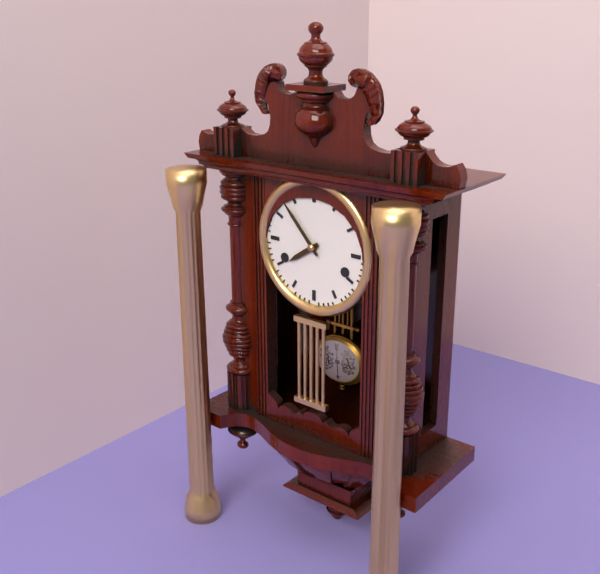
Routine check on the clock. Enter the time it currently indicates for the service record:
7:53
